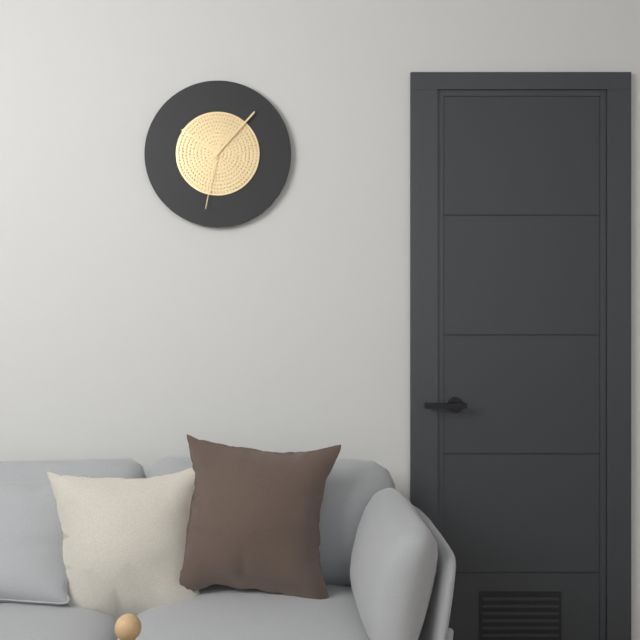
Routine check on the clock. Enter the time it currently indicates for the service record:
10:07:32
